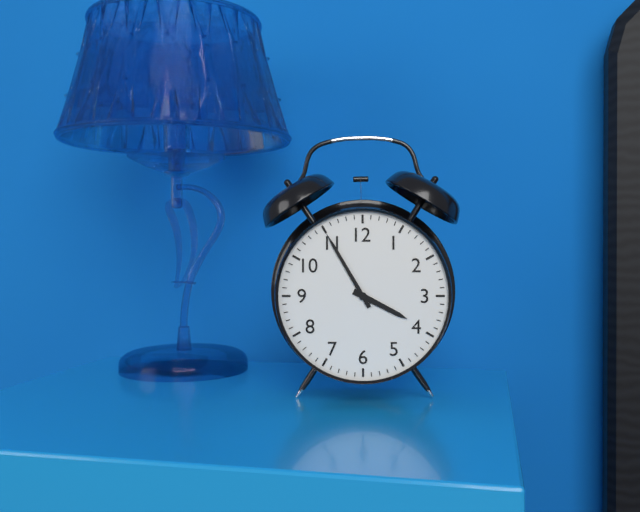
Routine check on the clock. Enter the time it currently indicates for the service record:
3:55
